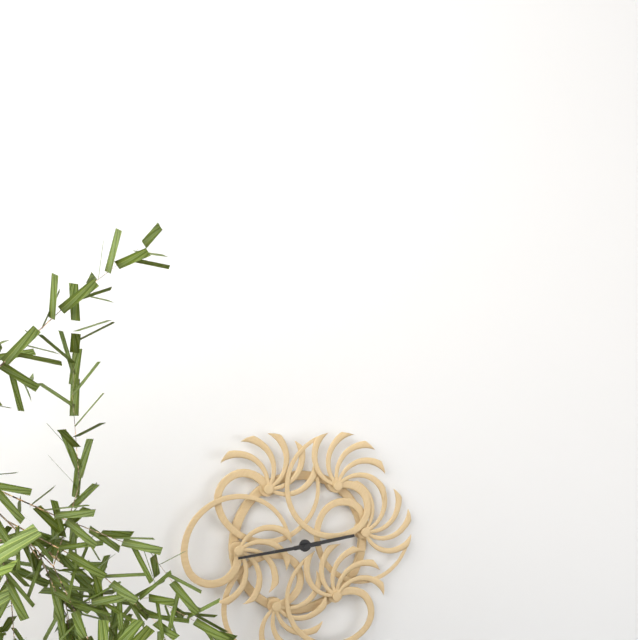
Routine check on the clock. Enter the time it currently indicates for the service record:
2:44
